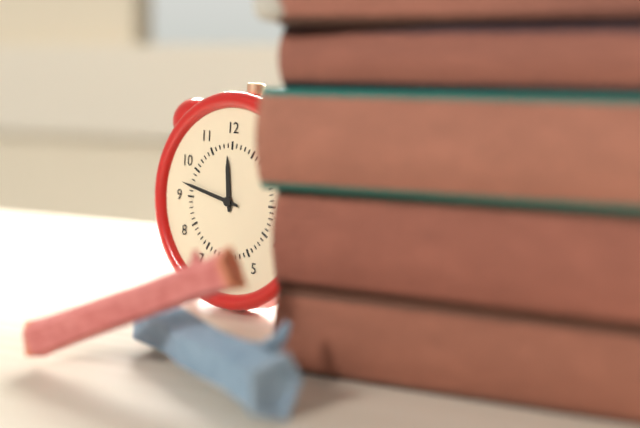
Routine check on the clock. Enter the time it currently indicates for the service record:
11:47
